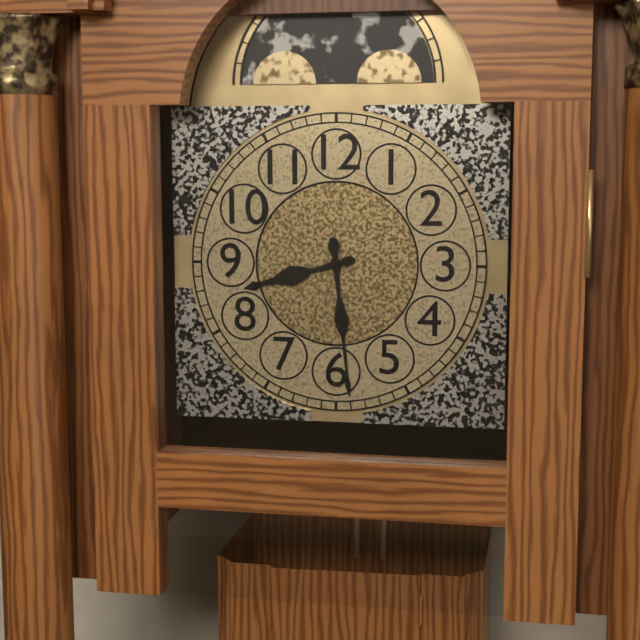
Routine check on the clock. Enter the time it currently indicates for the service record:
8:29
